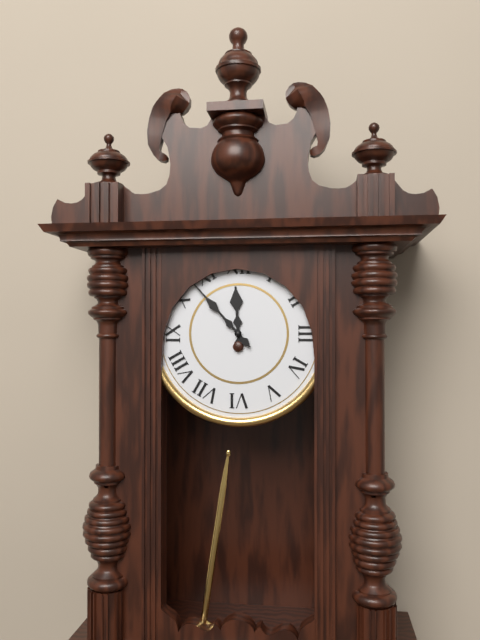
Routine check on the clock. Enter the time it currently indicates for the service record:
11:53
